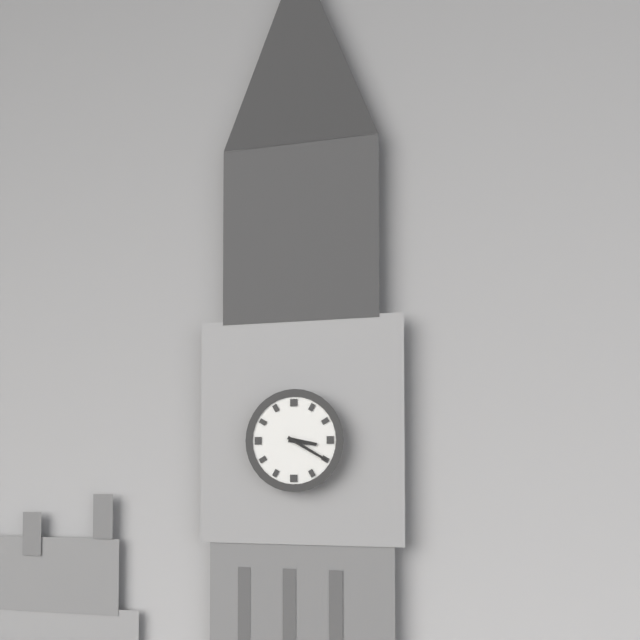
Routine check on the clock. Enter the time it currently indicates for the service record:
3:20
